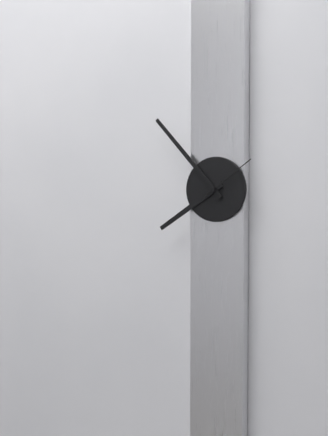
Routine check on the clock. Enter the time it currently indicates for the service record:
7:53:09
